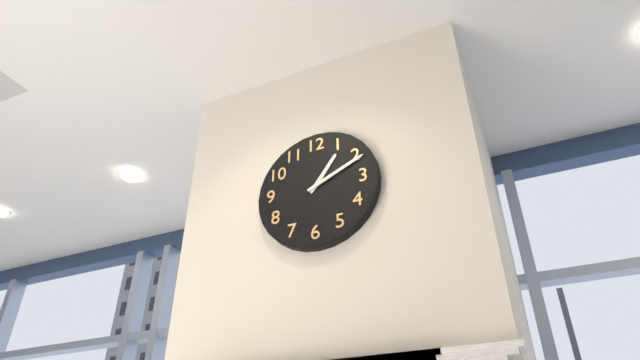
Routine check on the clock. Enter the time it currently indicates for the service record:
1:11
